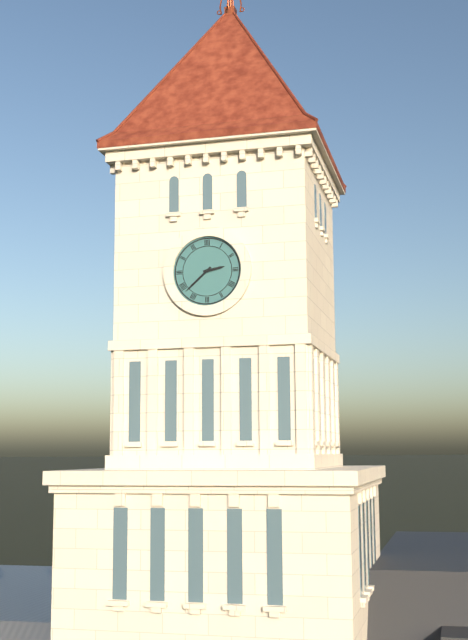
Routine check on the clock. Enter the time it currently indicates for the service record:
2:38
